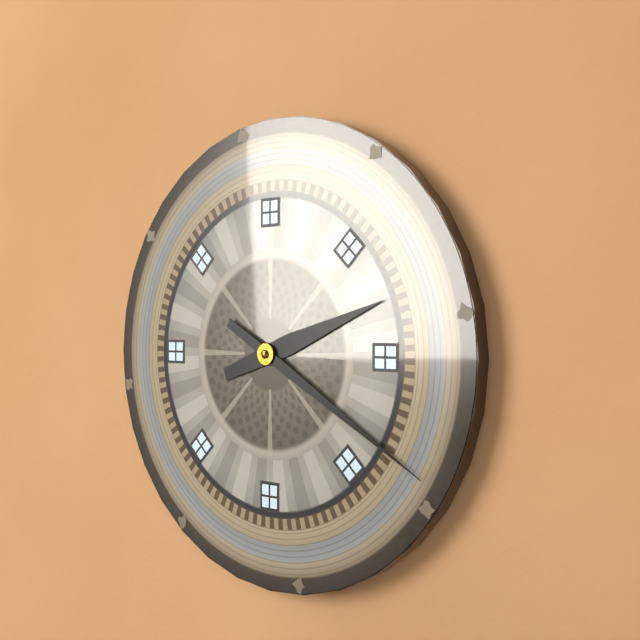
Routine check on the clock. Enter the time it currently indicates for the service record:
2:20
